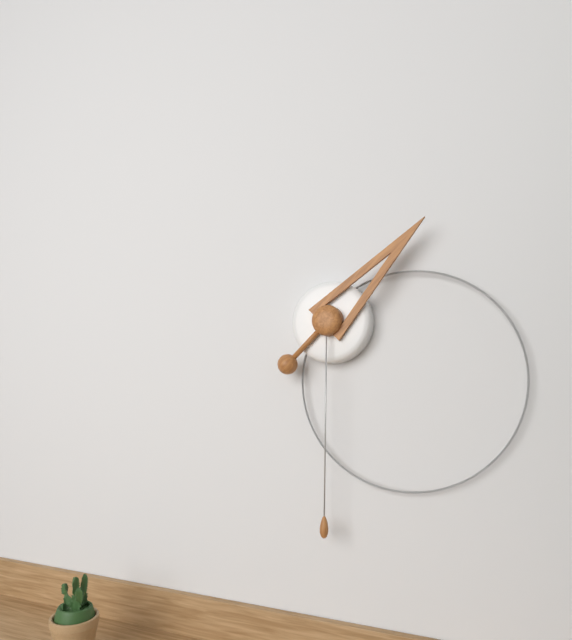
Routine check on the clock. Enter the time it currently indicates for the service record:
1:30
